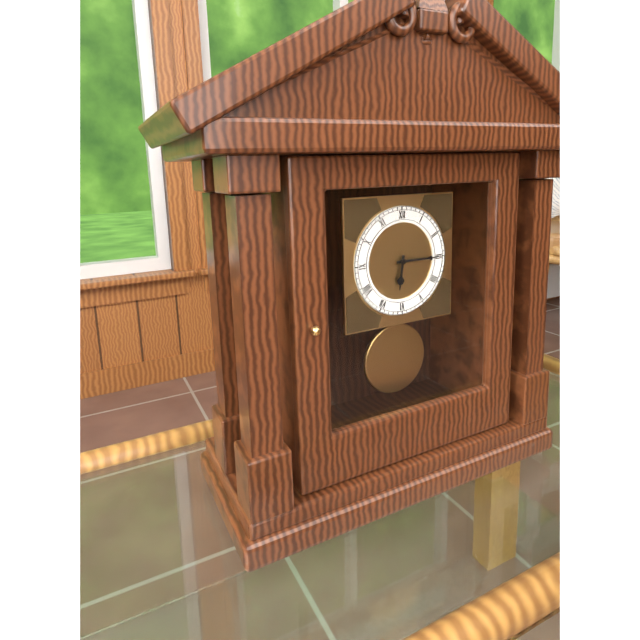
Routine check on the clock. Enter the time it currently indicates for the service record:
6:15
